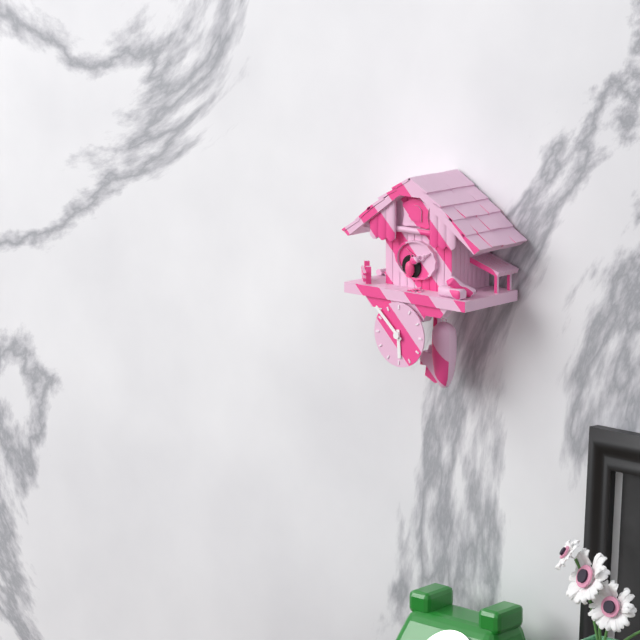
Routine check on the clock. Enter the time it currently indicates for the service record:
5:52
